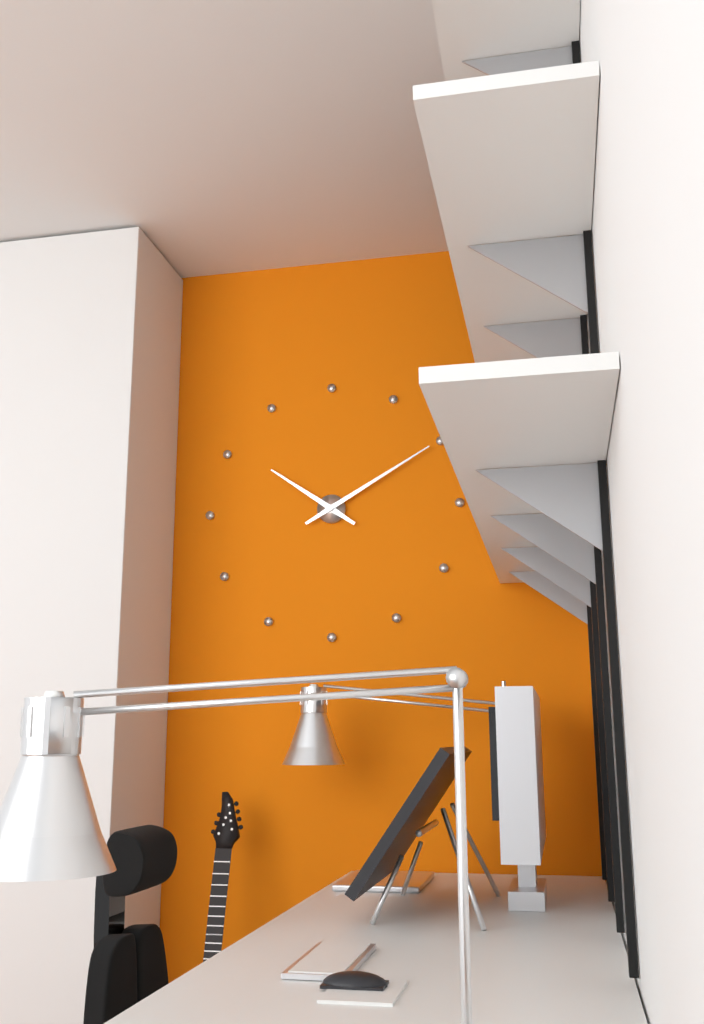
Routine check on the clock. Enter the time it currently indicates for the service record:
10:10
